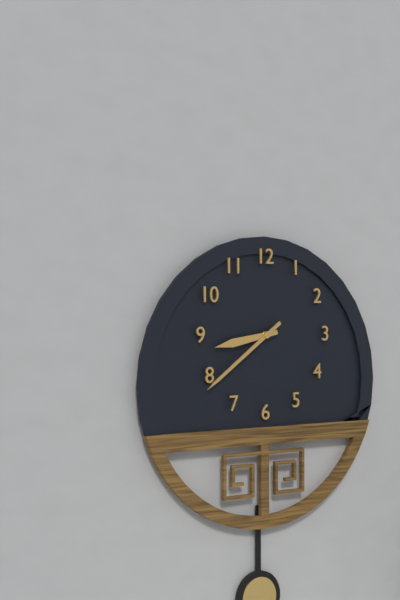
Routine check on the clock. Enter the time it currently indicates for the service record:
8:39
